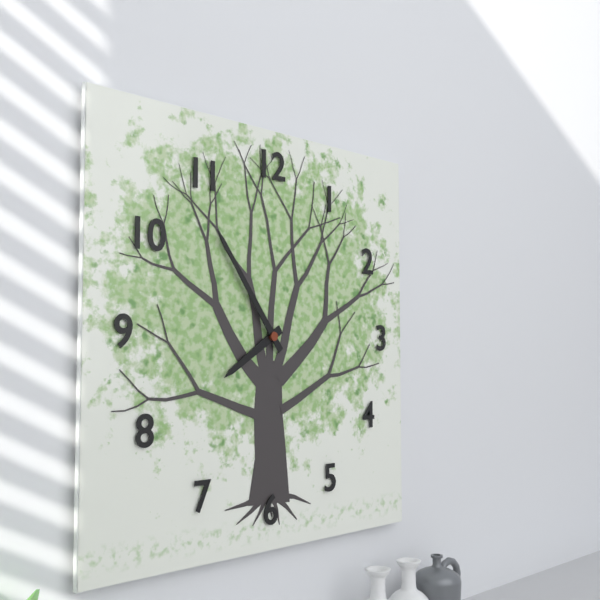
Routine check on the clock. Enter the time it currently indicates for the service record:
7:54
